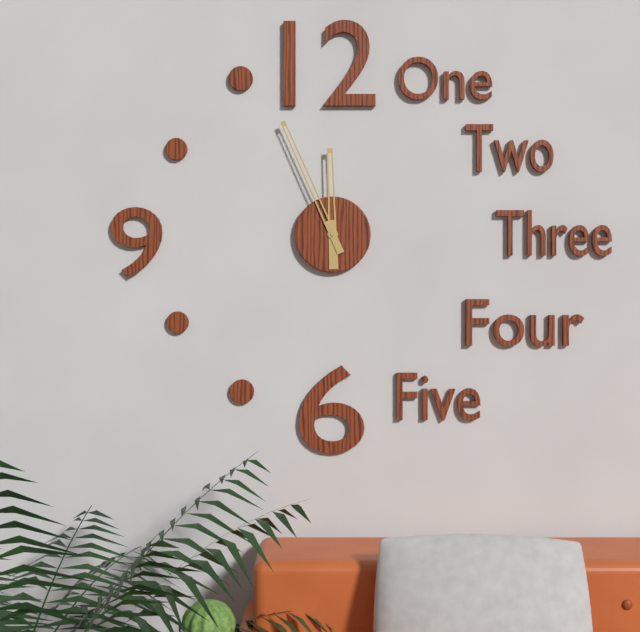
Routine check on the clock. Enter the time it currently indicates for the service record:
11:56
